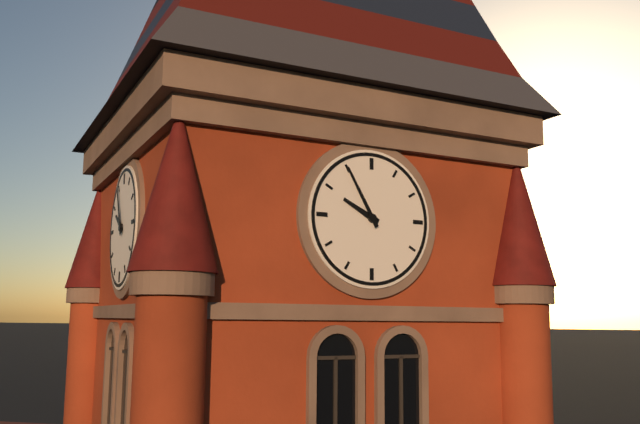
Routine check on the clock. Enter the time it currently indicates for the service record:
9:55
